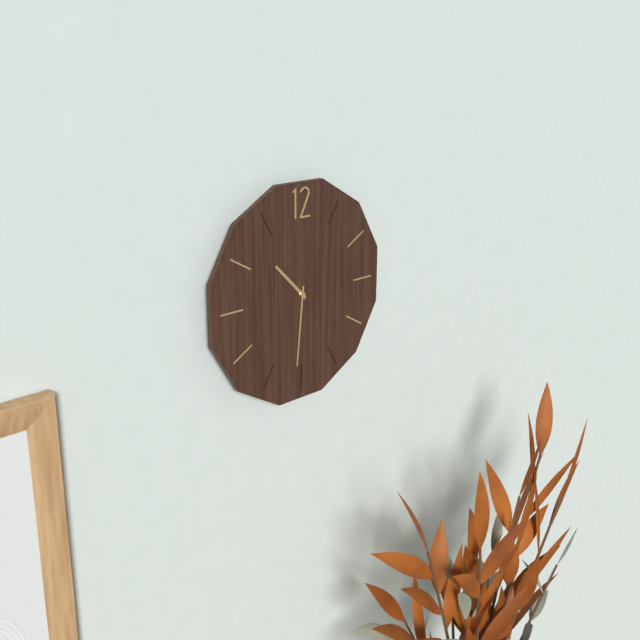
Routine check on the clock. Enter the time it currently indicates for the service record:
10:31
